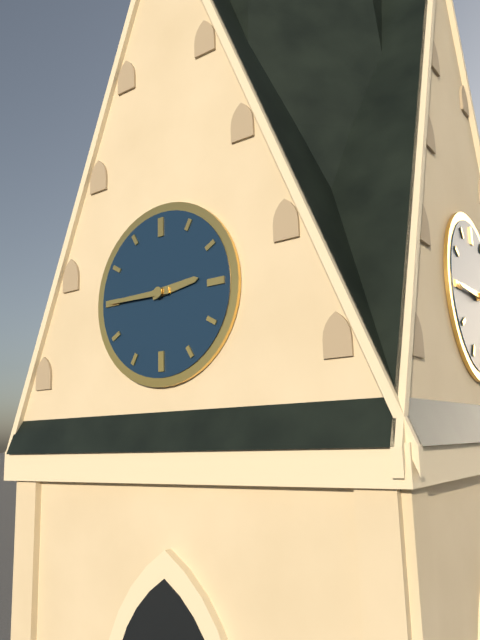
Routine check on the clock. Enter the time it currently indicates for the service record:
2:45
